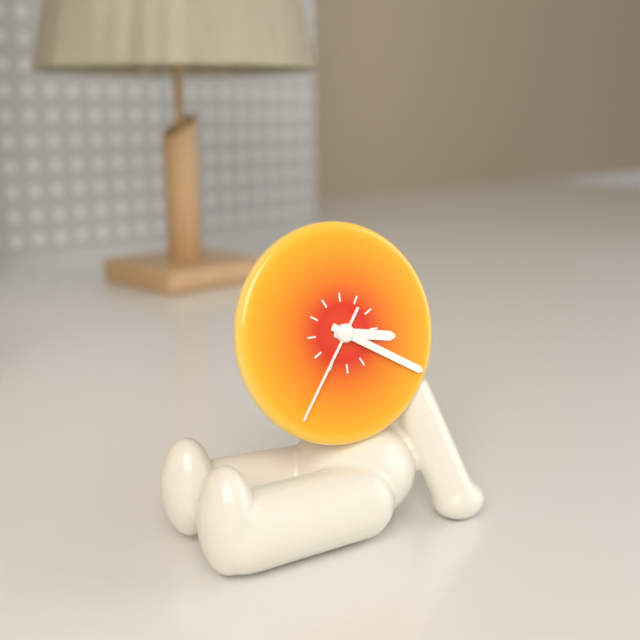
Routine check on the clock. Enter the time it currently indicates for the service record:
3:20:36
